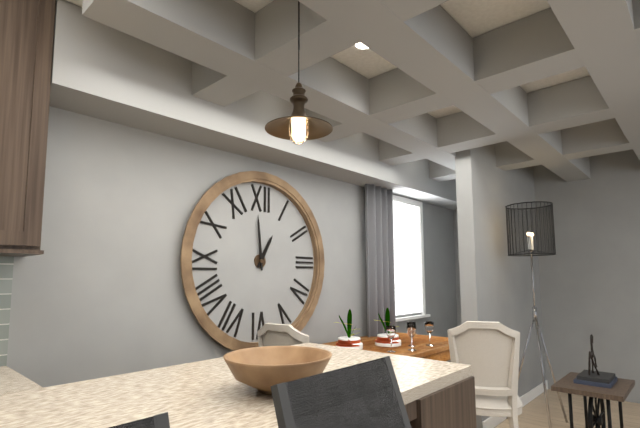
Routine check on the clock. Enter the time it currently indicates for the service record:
12:59
